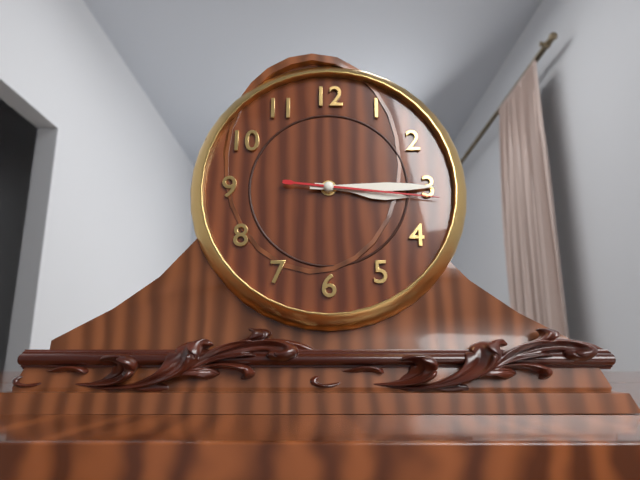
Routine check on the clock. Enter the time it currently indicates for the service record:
3:15:16
